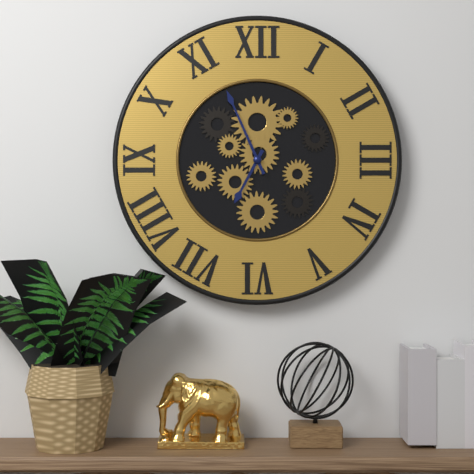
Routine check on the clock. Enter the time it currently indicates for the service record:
6:56
